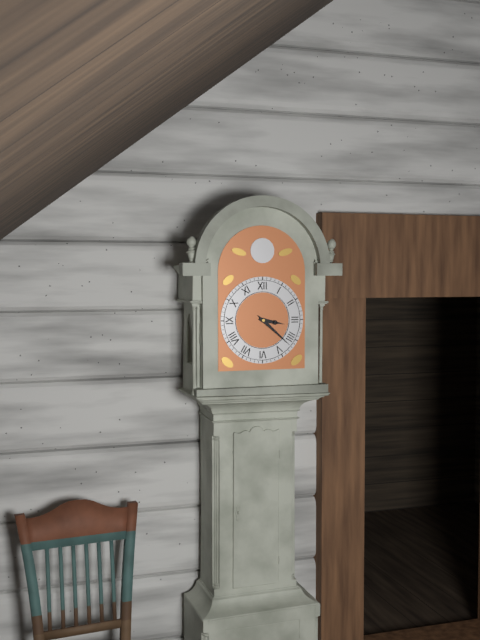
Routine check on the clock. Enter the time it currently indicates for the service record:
3:22
